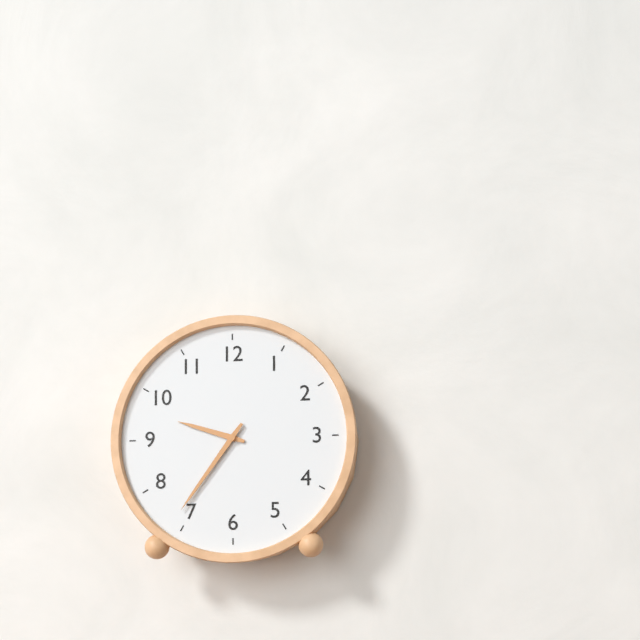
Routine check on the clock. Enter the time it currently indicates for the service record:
9:36
